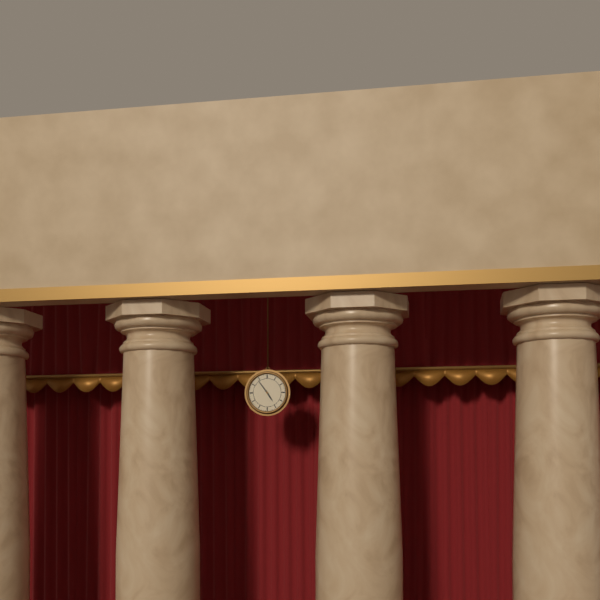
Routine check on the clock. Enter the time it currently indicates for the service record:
4:54
